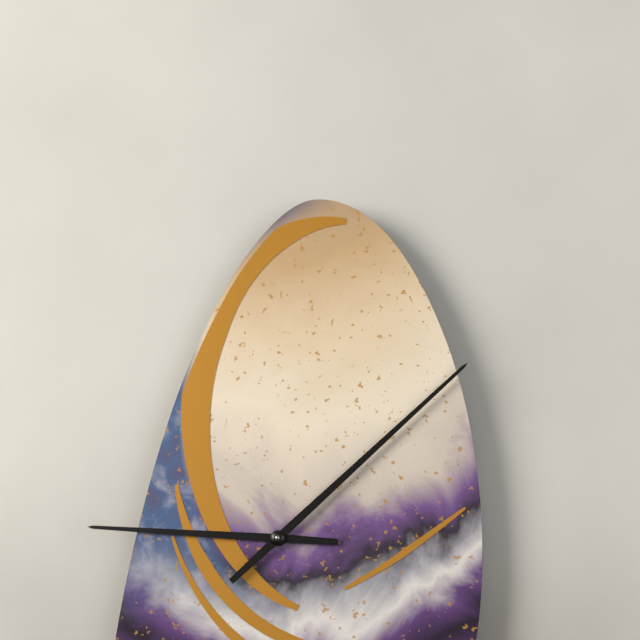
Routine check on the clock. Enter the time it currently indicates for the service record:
9:08
